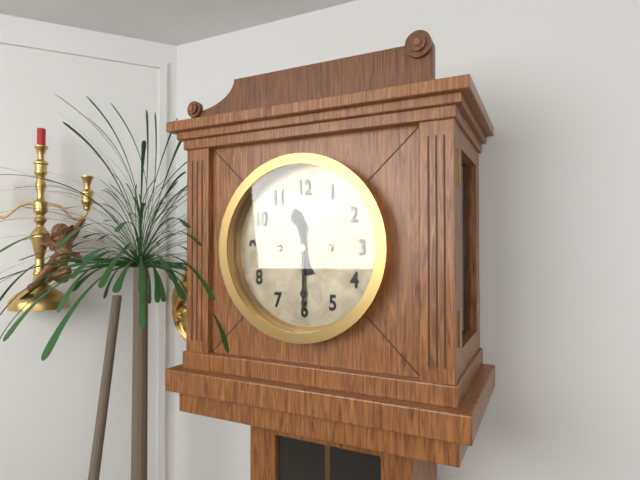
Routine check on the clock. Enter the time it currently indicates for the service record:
11:30
